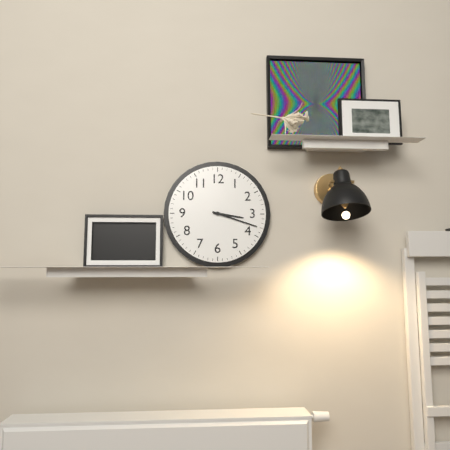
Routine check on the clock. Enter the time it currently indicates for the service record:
3:18
